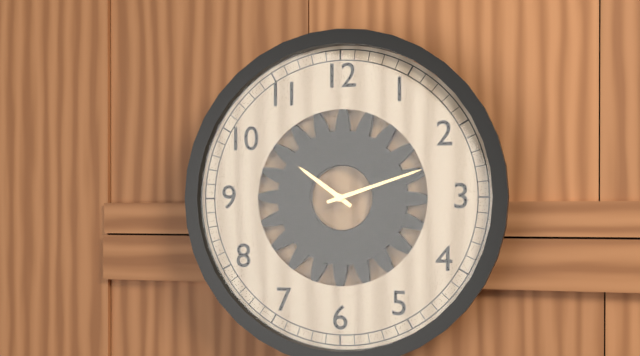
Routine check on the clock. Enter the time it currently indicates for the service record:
10:12
